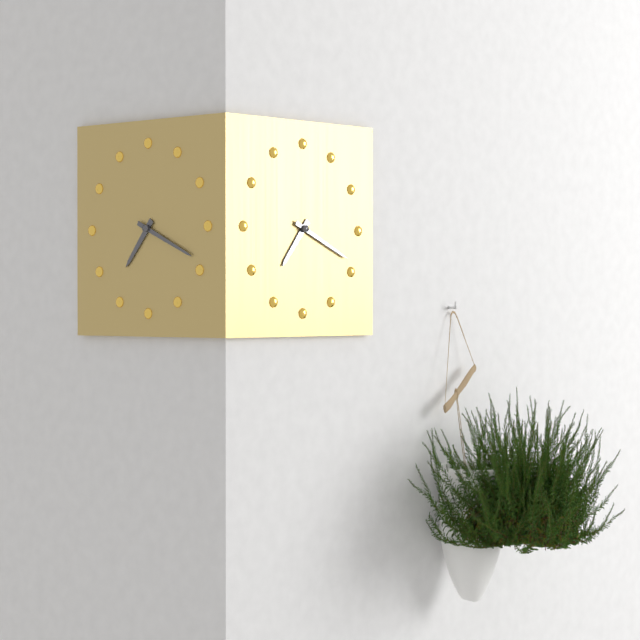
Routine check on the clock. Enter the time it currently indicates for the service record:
7:19
